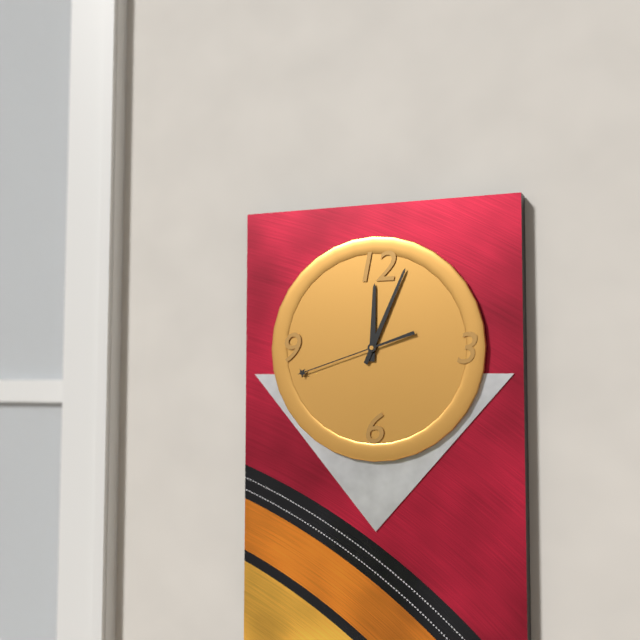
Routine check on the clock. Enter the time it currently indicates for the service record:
12:04:42
